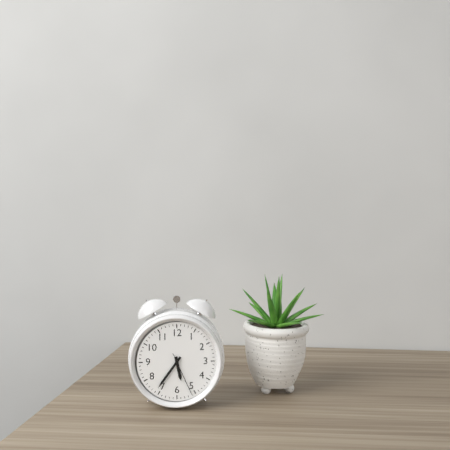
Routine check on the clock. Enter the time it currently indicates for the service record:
5:36
